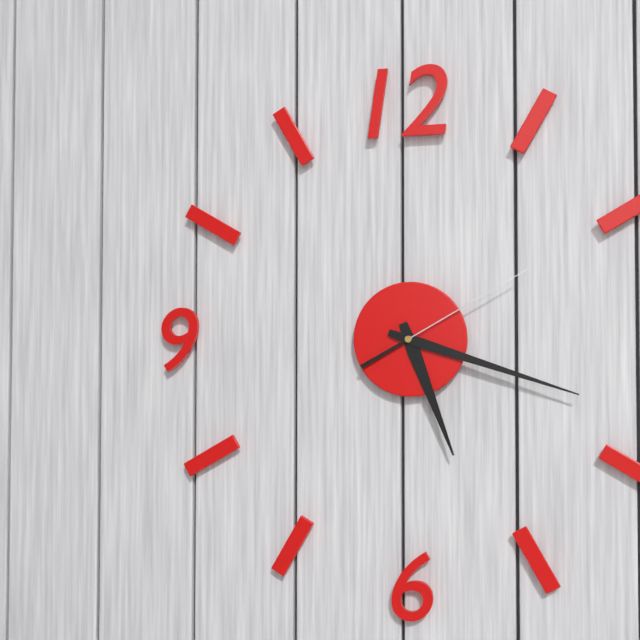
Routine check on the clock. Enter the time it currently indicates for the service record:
5:18:10
